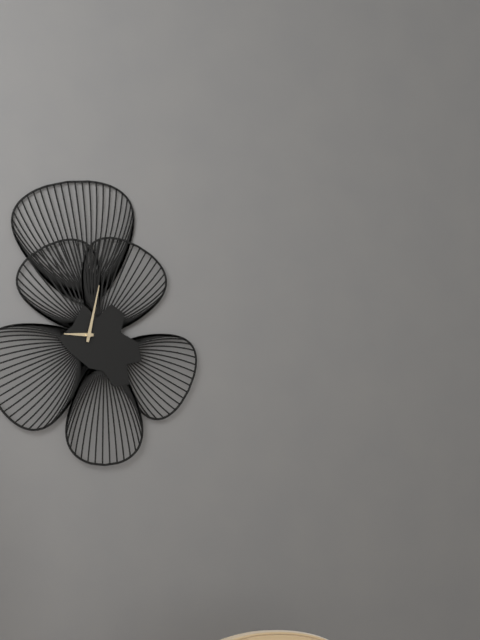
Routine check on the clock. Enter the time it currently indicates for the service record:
9:02
